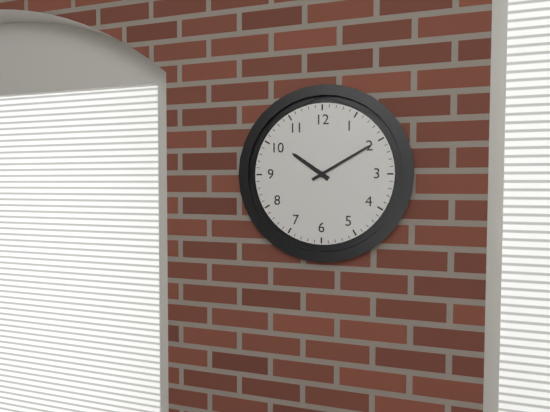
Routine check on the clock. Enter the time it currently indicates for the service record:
10:10
